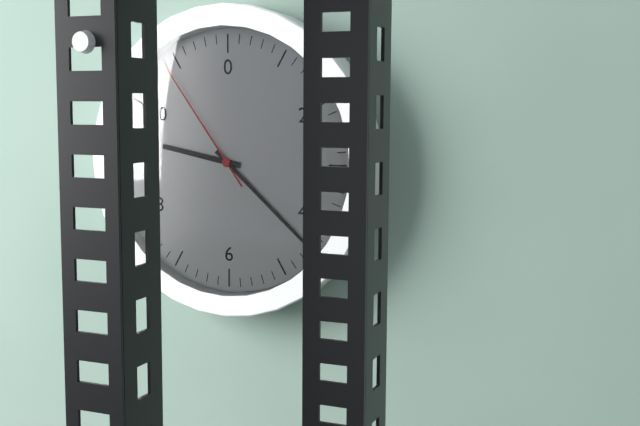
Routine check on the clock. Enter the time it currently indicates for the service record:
9:22:54
